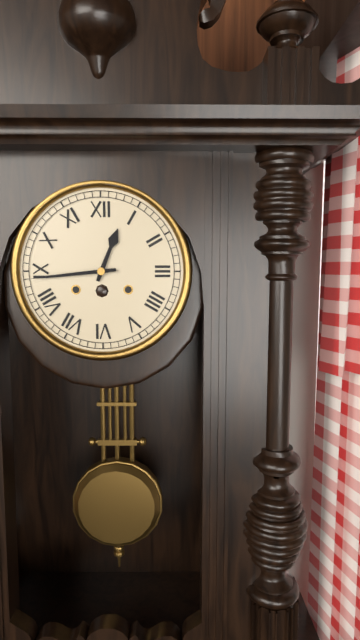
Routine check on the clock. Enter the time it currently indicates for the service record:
12:44
